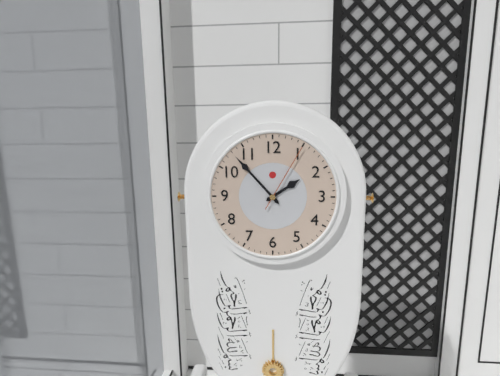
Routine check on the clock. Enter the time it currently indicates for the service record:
1:53:05
